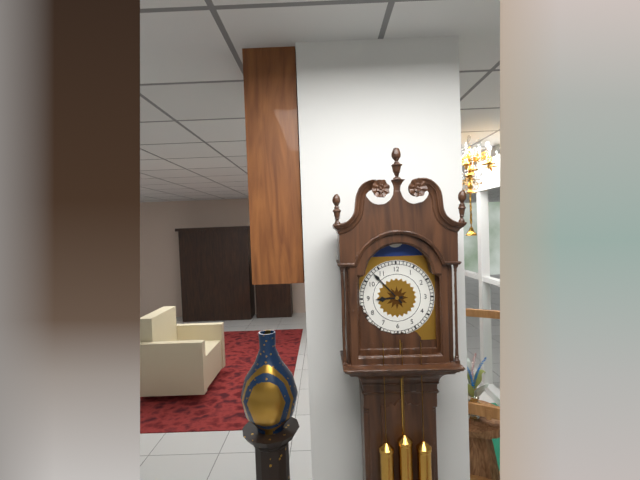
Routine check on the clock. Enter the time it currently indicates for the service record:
8:53
